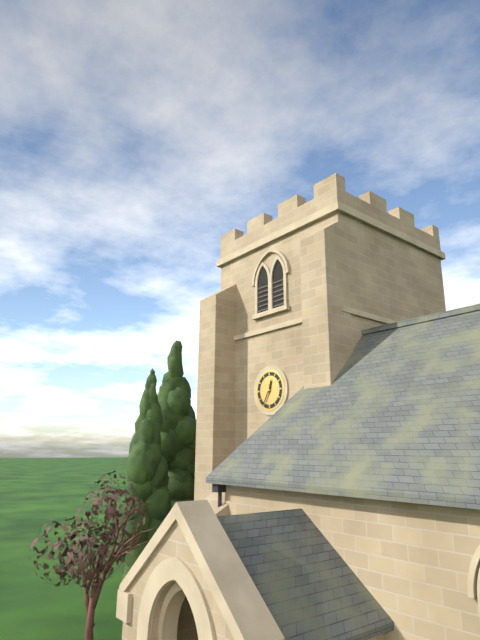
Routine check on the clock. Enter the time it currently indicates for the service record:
12:35
